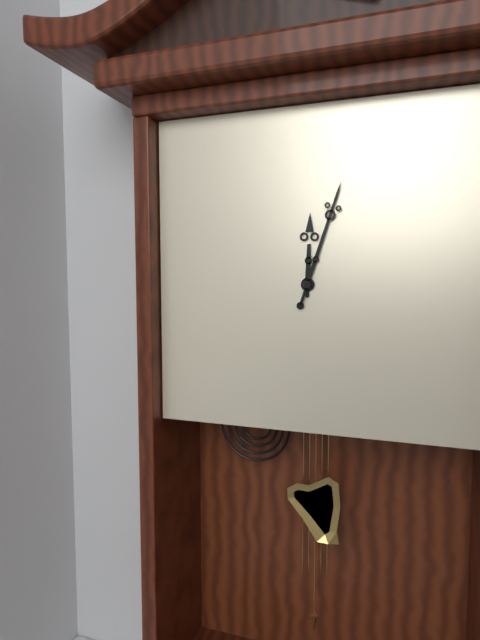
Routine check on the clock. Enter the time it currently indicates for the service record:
12:03
